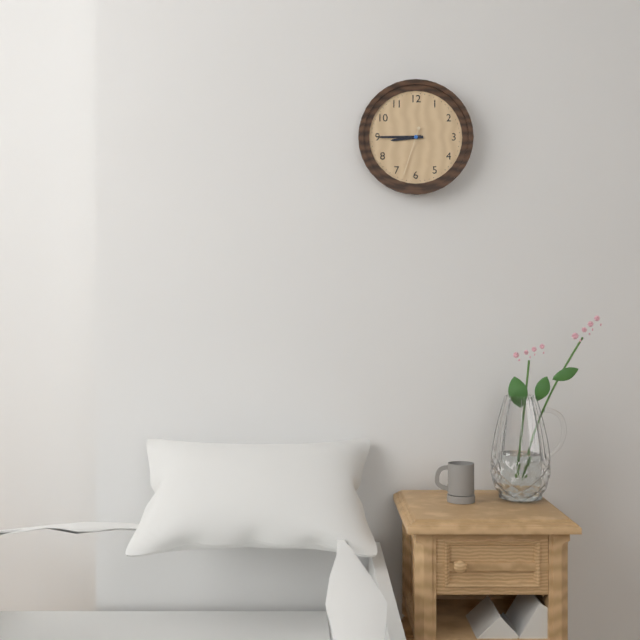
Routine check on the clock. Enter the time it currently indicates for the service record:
8:45
